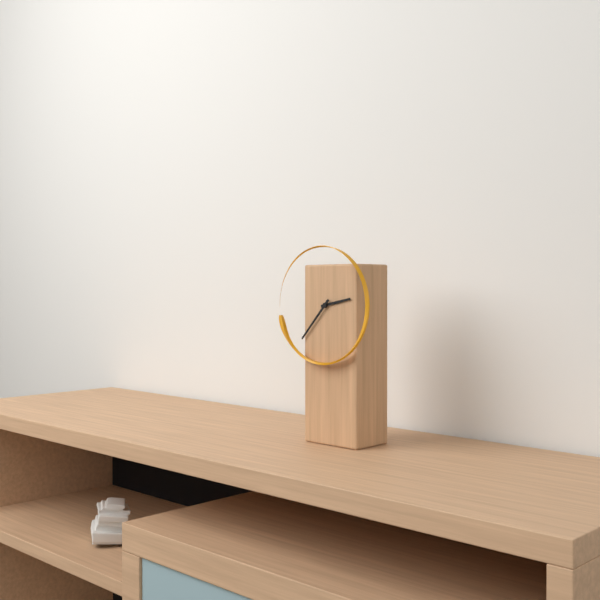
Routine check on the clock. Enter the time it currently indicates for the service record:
2:37
